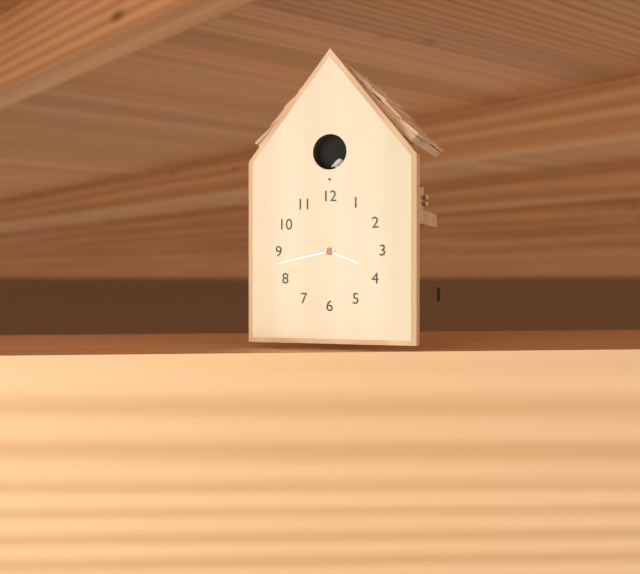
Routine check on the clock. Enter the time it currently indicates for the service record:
3:43
